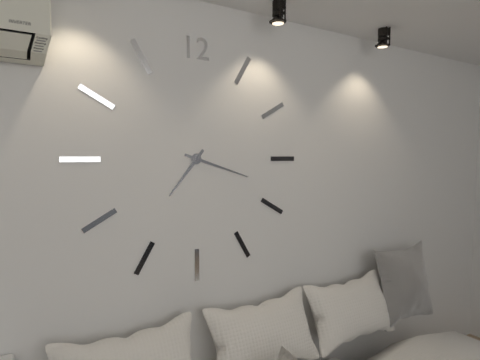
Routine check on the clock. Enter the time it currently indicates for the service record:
7:18
